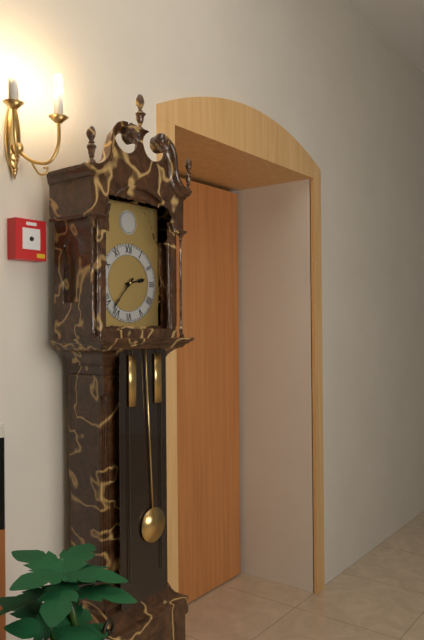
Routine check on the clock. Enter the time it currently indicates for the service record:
2:37
